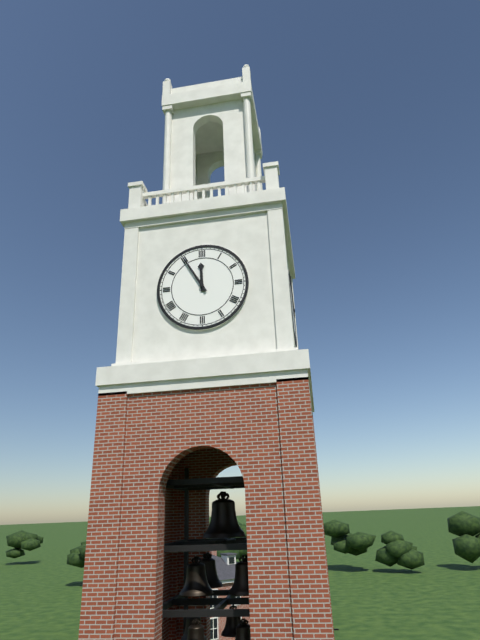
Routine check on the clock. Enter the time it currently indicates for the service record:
11:55
